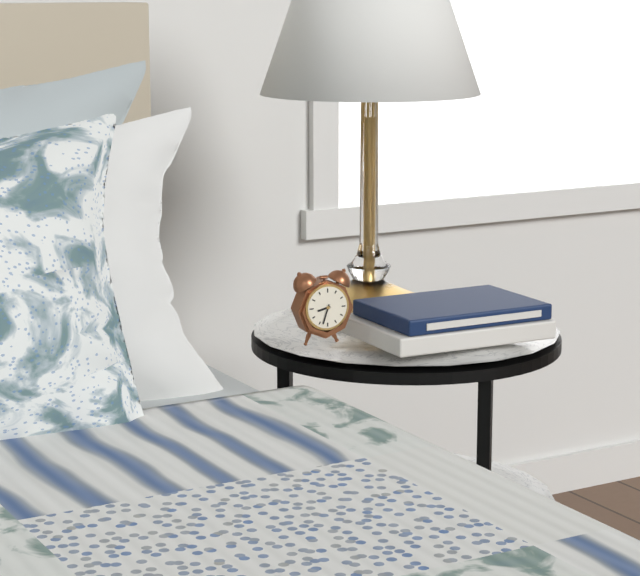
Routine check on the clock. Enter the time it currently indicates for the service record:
8:33
